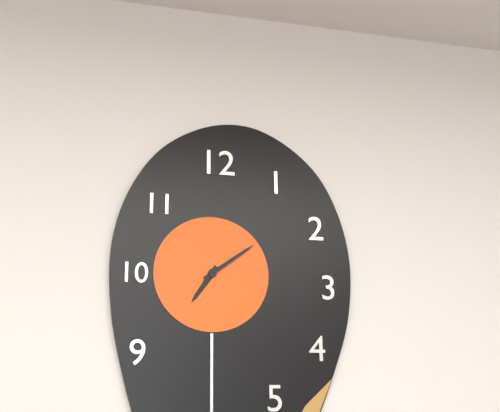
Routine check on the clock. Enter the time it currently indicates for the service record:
7:09
